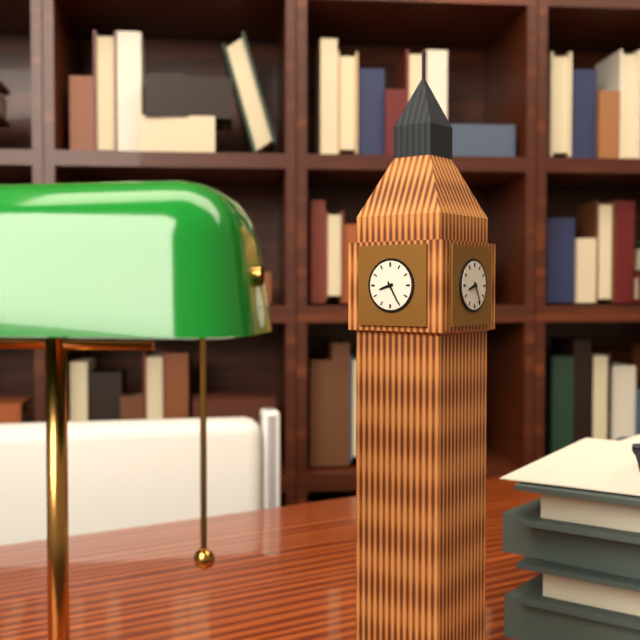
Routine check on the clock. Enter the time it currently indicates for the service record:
8:25
